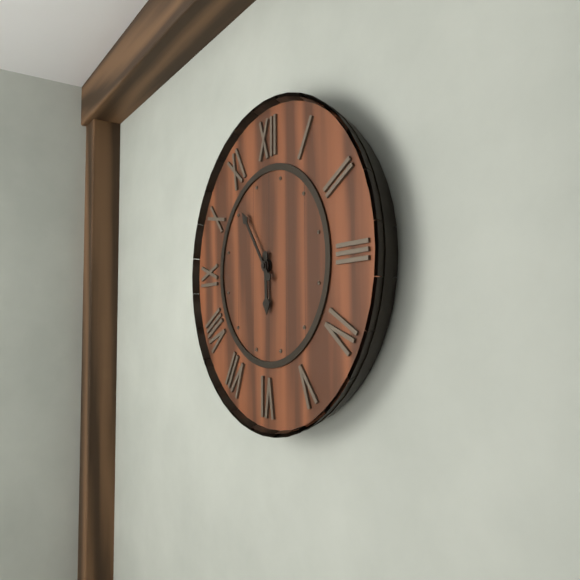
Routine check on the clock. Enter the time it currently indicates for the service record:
5:54
